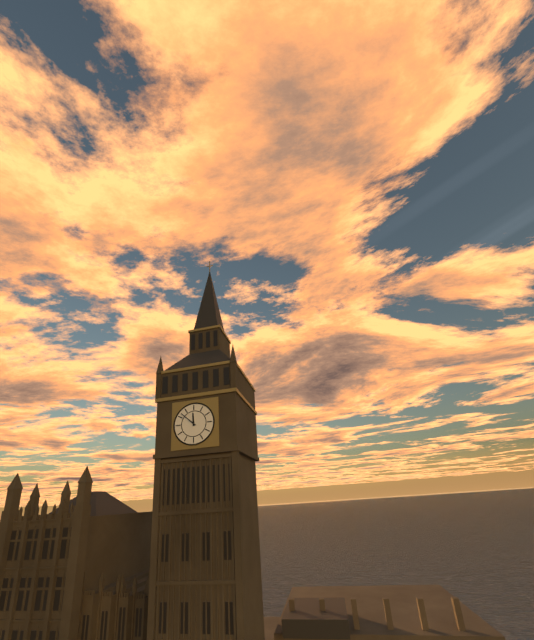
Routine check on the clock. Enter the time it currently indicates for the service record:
11:52
